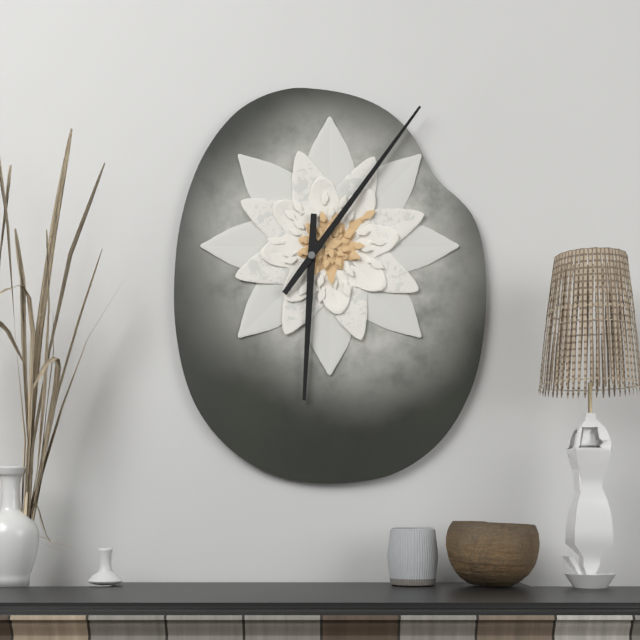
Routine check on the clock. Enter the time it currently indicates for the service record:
6:06
